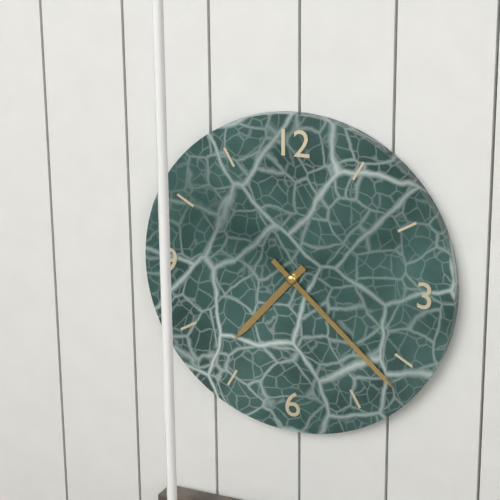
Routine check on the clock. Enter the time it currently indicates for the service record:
7:22
